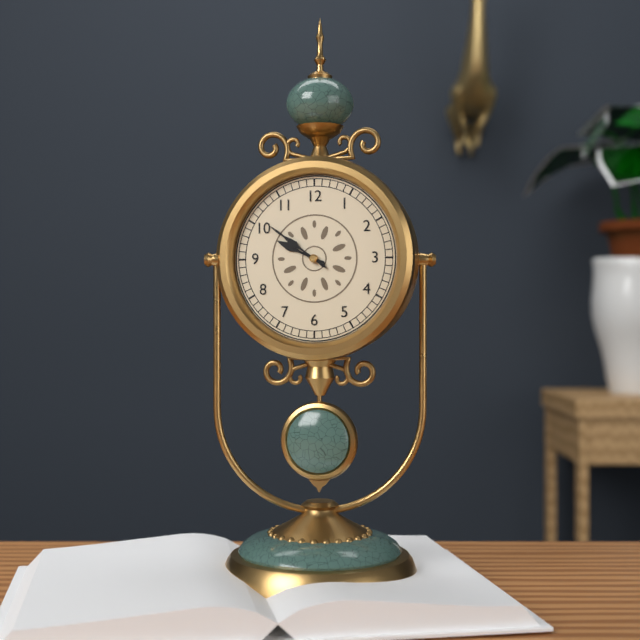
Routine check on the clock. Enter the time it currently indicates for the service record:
9:51
